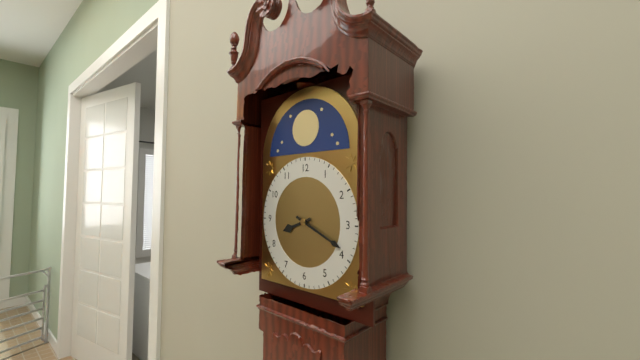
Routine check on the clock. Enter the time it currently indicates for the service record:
8:19
